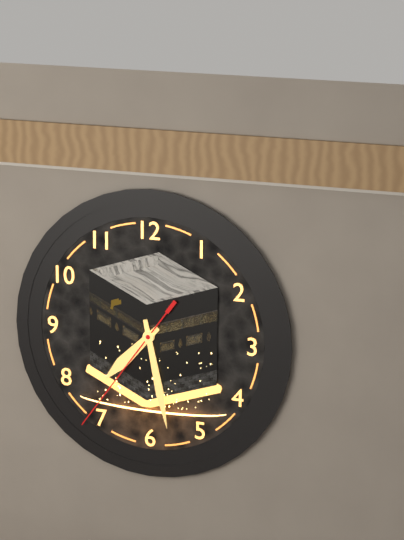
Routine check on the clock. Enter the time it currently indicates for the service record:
7:28:36
